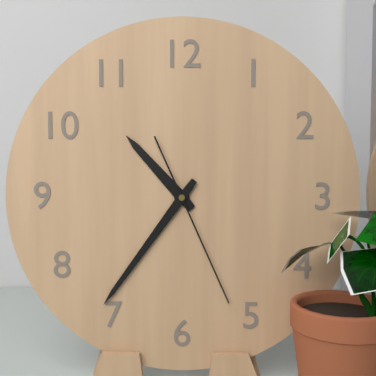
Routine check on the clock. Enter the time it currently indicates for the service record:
10:36:26
